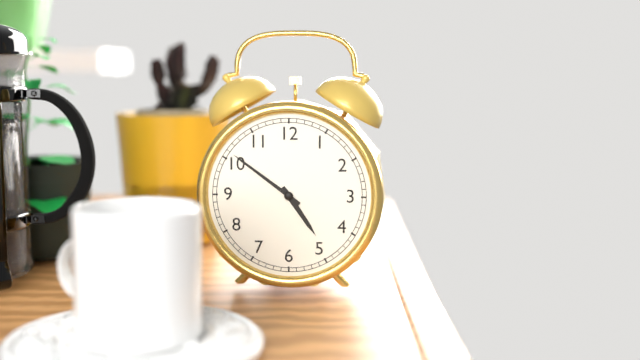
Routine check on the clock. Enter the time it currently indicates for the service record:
4:51
